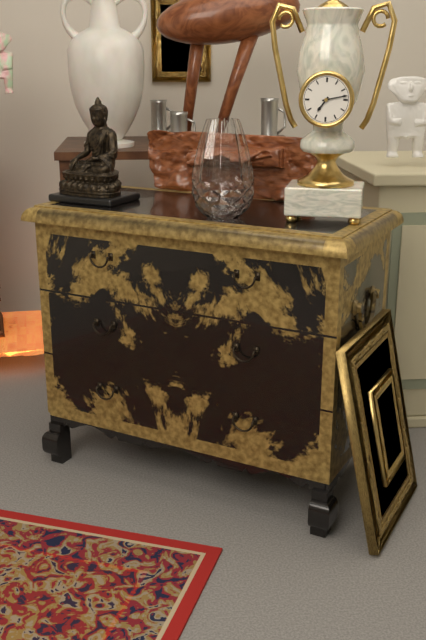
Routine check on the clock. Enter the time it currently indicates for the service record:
7:13
